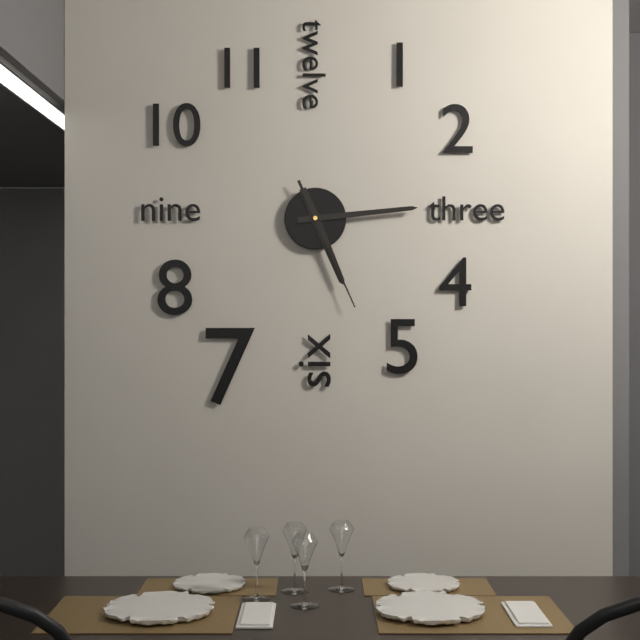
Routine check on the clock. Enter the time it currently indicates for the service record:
5:14:26
